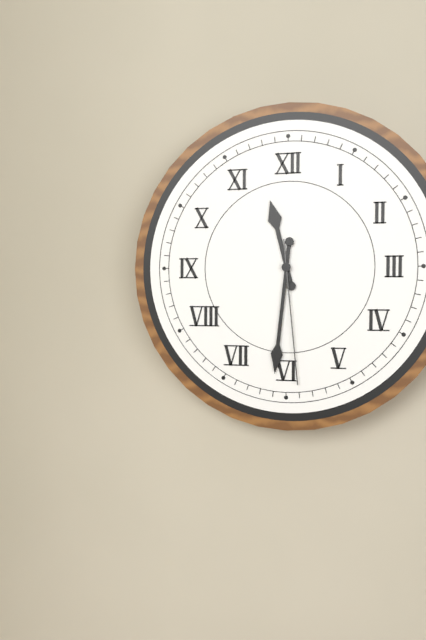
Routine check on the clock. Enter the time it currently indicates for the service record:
11:31:29
